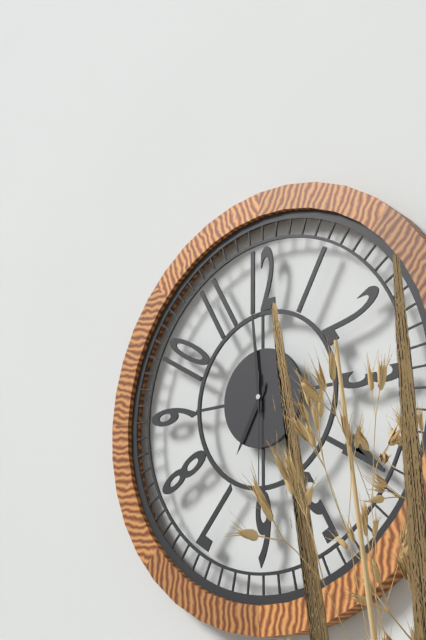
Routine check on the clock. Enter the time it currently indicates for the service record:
6:59:30
